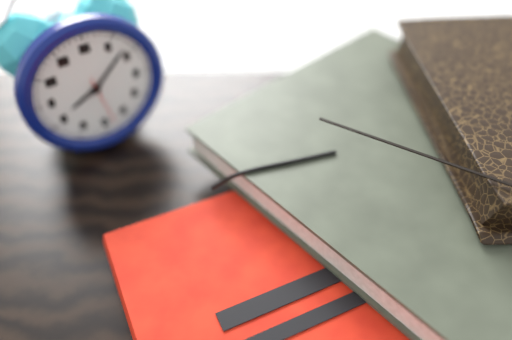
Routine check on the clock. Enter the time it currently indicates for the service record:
8:08:28
